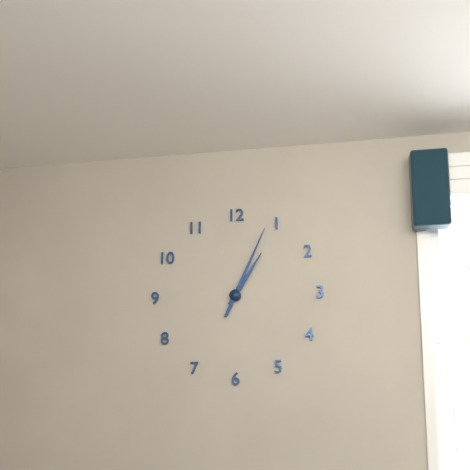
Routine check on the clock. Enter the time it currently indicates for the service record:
1:04
